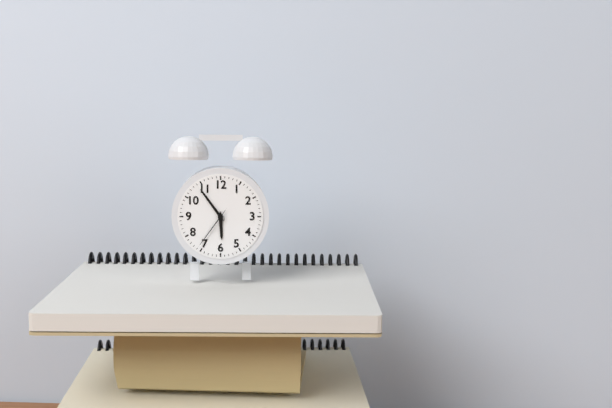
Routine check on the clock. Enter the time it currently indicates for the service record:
5:54
